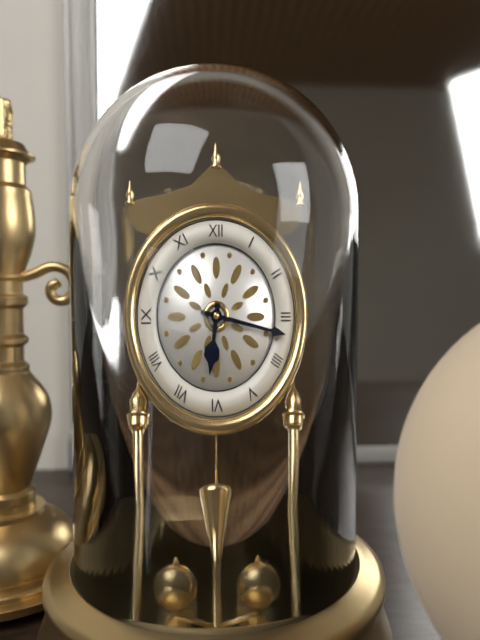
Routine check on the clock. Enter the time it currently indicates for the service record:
6:17
